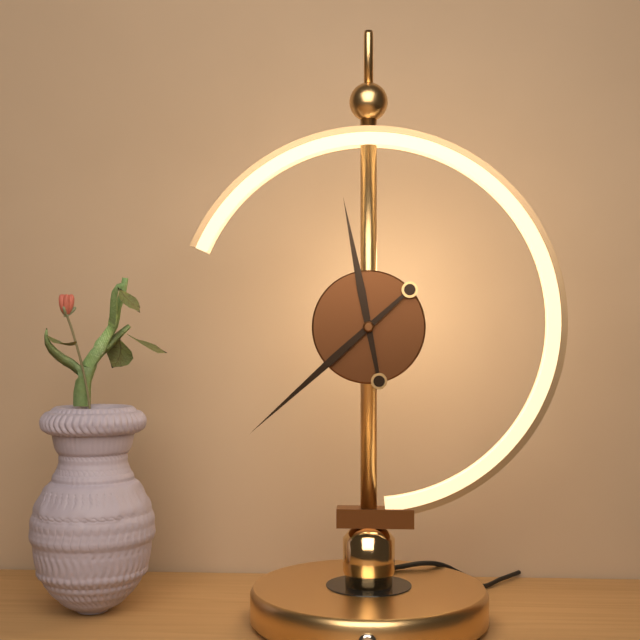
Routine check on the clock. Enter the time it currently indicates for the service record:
11:38
